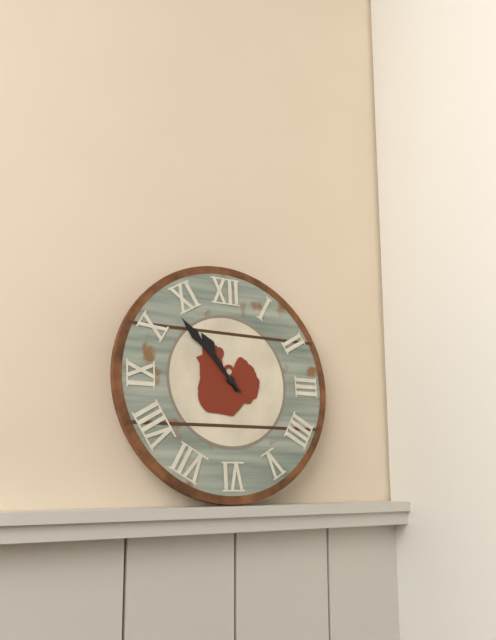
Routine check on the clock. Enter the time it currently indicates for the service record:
10:53
